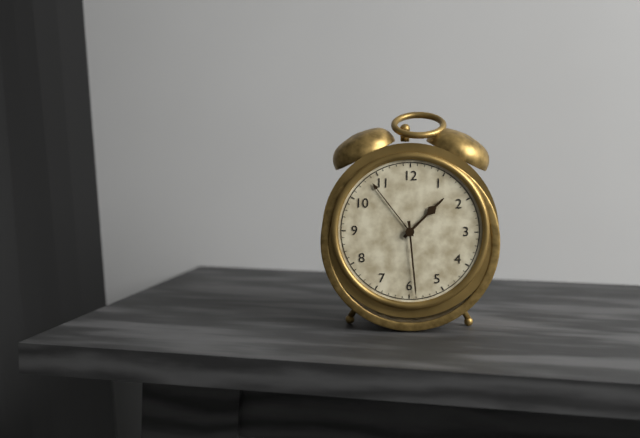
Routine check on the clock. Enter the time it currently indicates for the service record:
1:29
